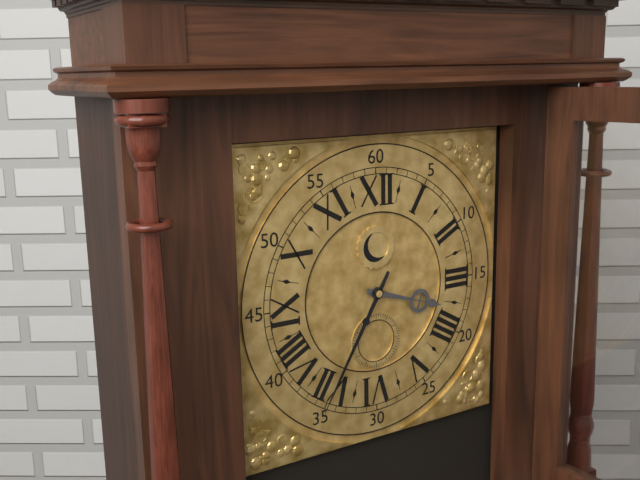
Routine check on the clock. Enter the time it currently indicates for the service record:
3:35
